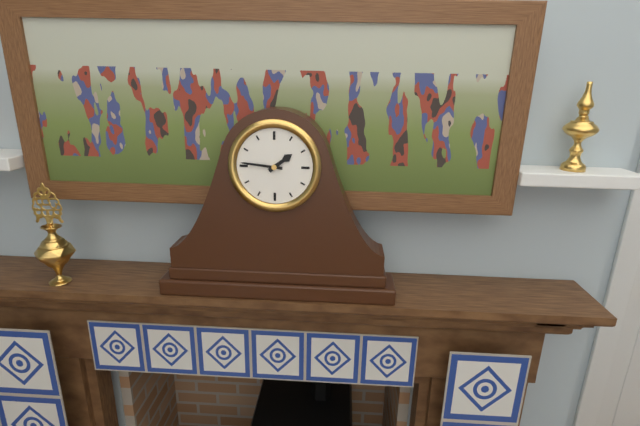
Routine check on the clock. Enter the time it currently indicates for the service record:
1:46
